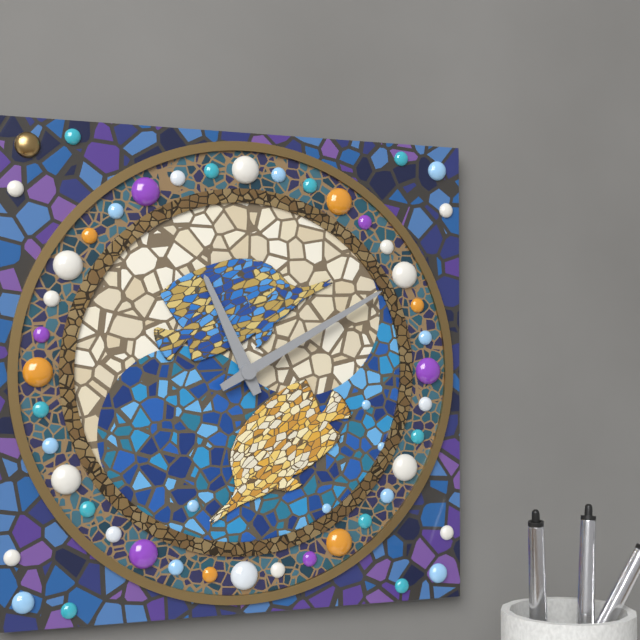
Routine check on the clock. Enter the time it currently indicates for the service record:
11:10
